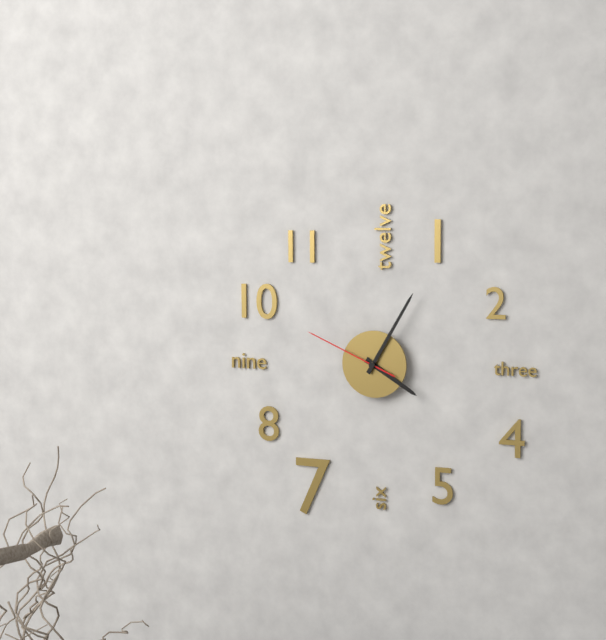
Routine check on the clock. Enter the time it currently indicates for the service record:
4:05:49
